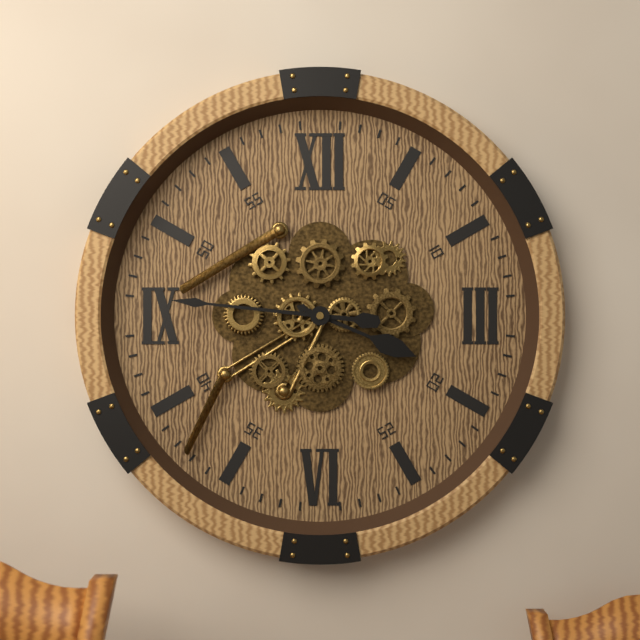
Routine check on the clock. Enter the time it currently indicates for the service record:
3:46
